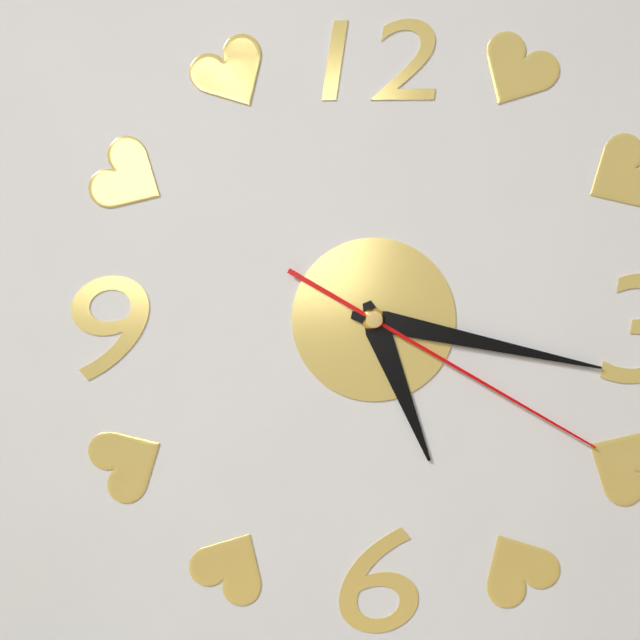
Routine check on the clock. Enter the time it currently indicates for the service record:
5:17:20
